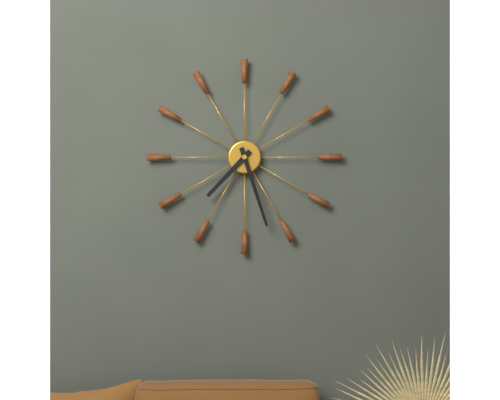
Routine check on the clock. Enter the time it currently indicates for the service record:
7:27
